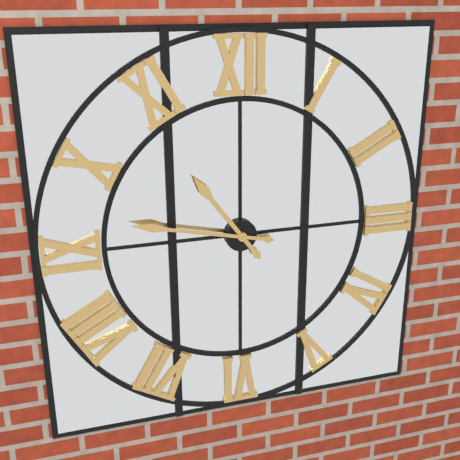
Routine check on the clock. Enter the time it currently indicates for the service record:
10:47
